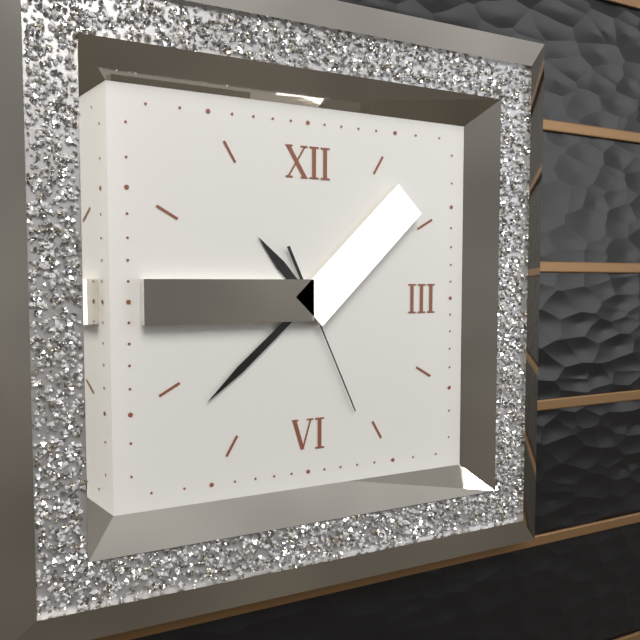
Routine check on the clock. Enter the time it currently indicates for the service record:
10:38:26
